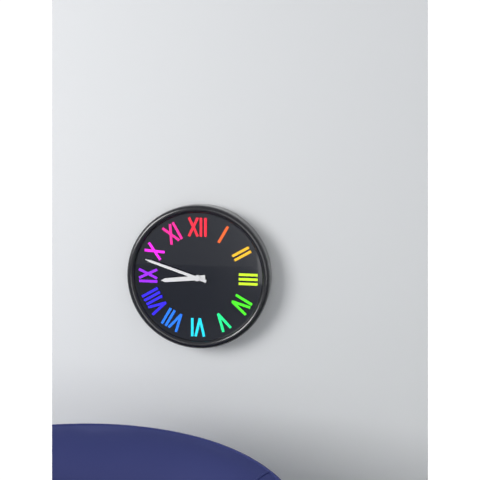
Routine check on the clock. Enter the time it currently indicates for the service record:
8:48
